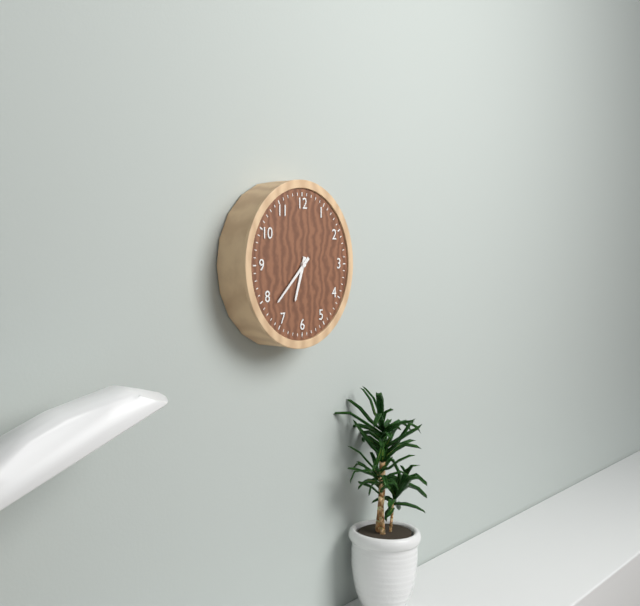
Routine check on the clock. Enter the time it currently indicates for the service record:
6:38
